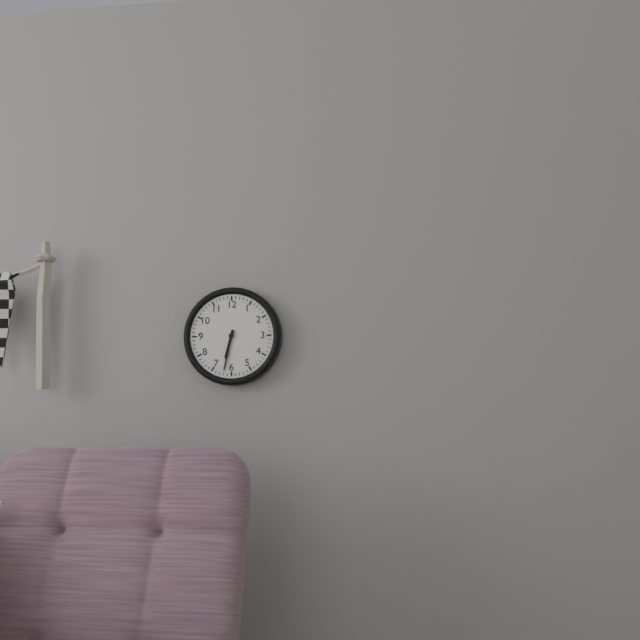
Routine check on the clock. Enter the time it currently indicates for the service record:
6:32
